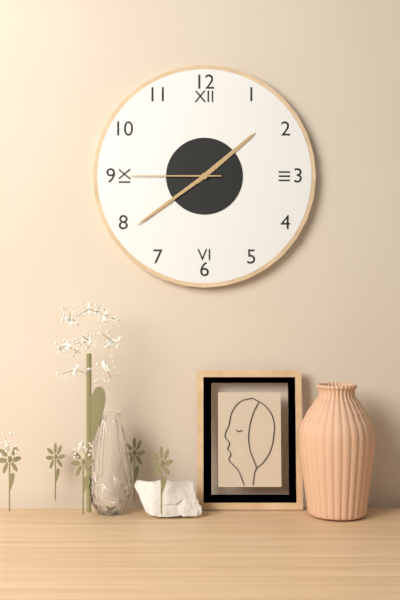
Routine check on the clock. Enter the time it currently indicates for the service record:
1:39:45
